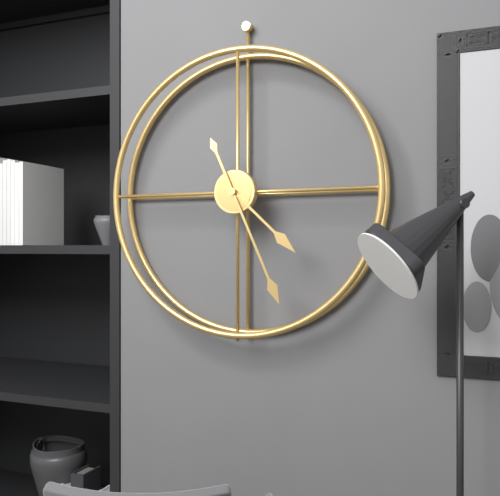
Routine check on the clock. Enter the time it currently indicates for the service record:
4:26
